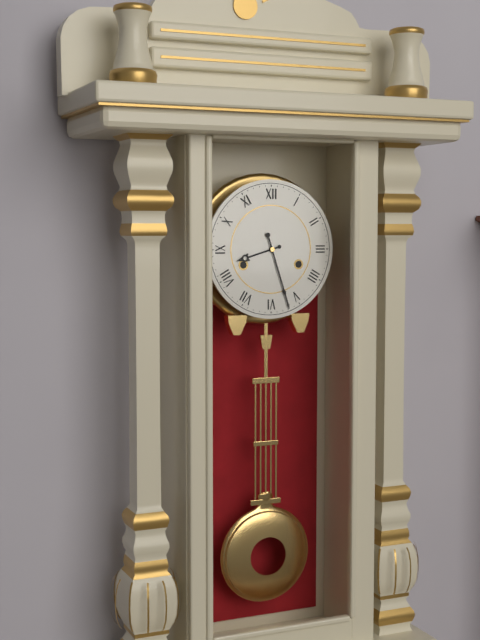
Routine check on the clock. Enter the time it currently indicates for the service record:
8:27
